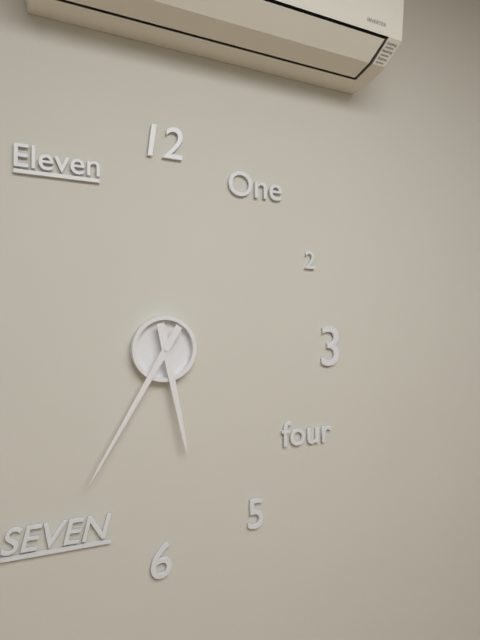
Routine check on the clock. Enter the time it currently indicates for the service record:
5:35
